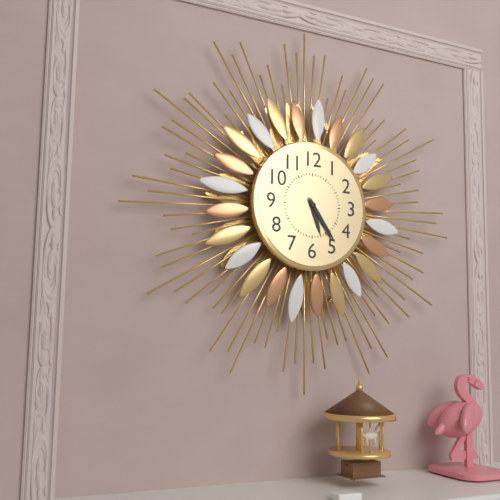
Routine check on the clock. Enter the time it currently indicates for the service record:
5:24
